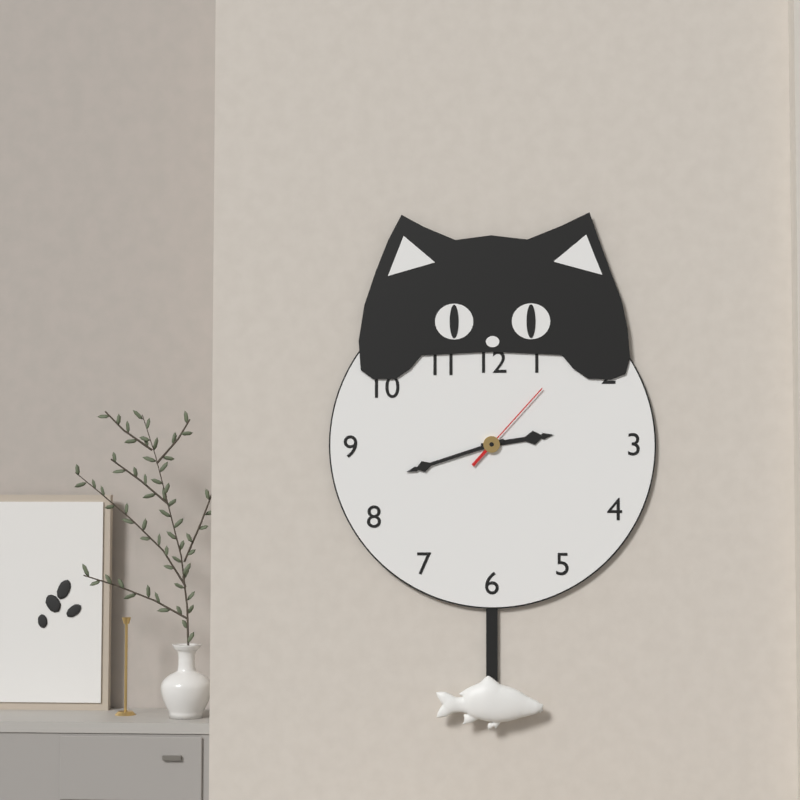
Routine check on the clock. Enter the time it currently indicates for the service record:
2:42:07
